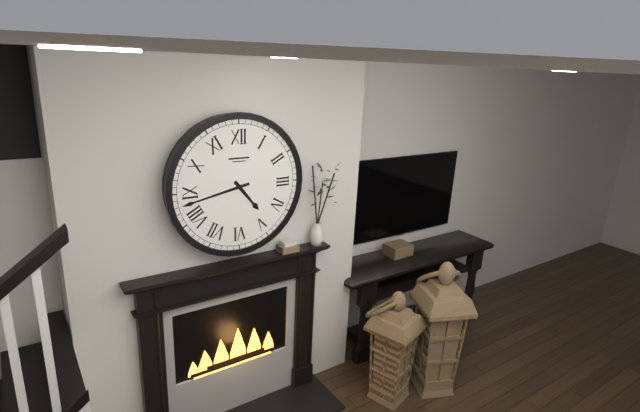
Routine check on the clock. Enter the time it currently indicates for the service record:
4:43
